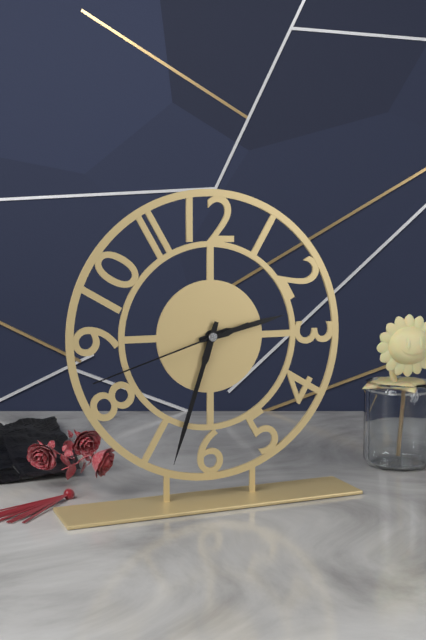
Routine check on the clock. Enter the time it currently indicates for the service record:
2:33:42
